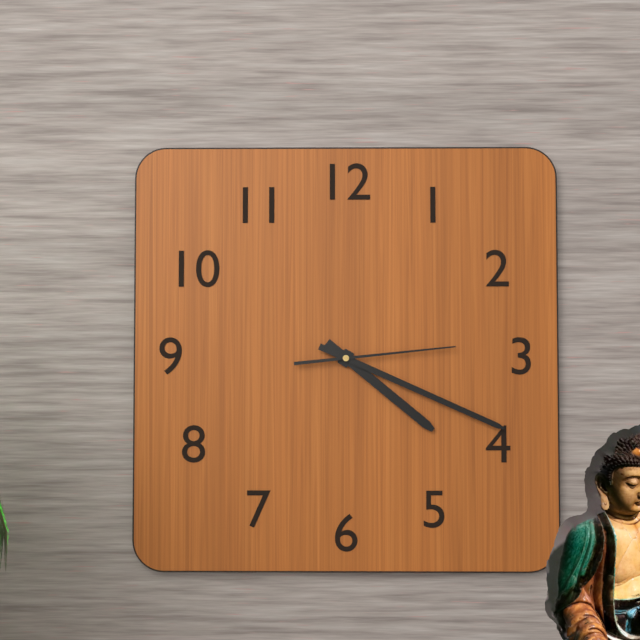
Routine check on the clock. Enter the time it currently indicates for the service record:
4:19:14
